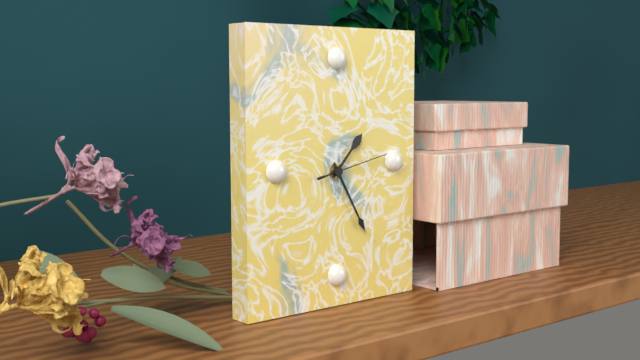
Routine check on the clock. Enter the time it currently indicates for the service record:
1:25:13
